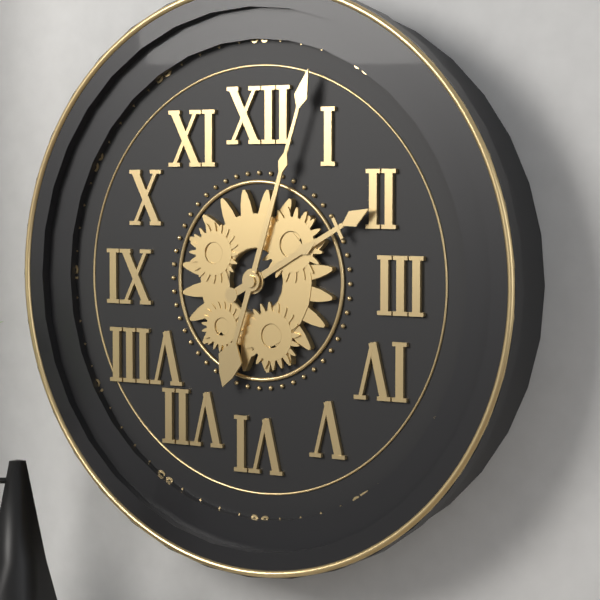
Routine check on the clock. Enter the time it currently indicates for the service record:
2:03
